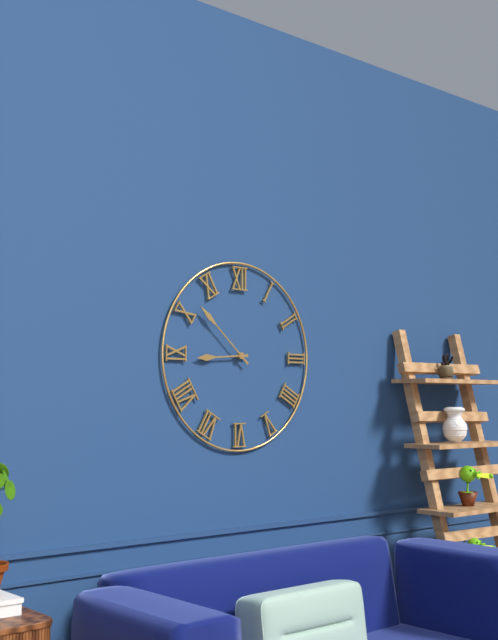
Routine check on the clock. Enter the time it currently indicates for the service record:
8:52
